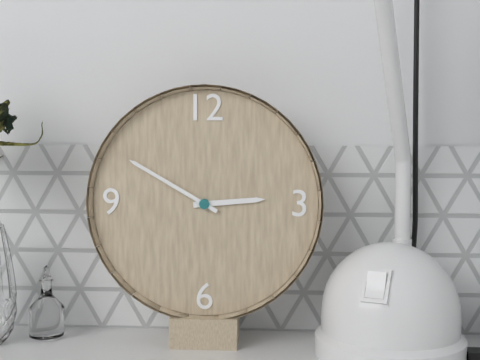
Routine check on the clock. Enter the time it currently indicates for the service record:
2:50
